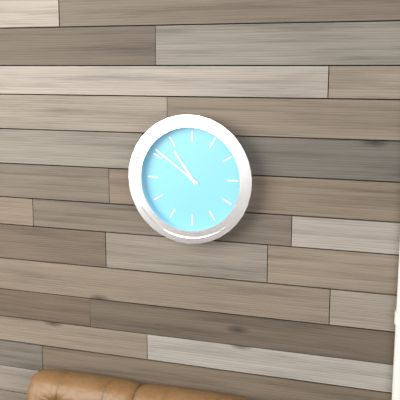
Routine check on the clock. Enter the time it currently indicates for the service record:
10:51
